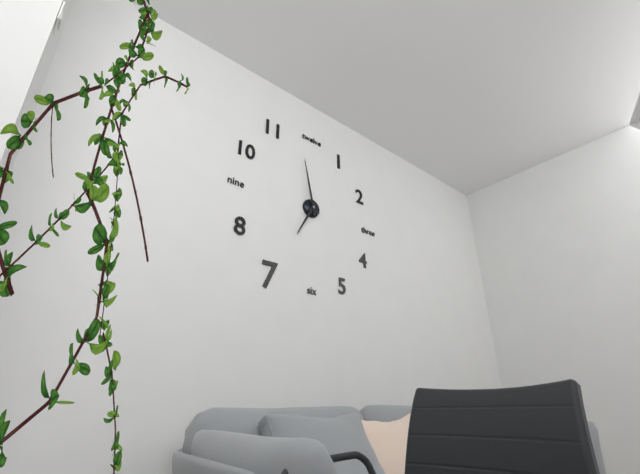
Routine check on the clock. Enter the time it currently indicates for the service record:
6:58
